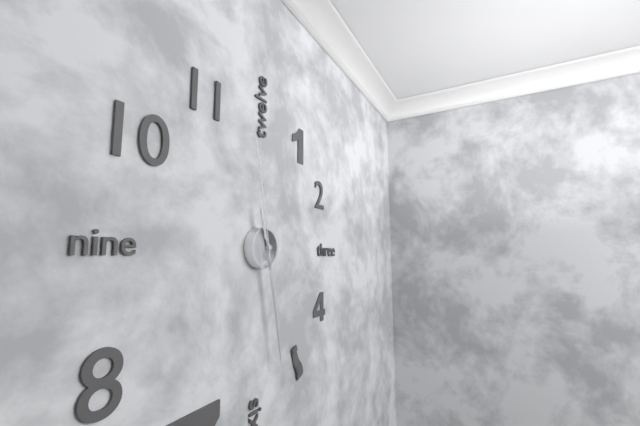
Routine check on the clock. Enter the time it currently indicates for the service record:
11:28:58
